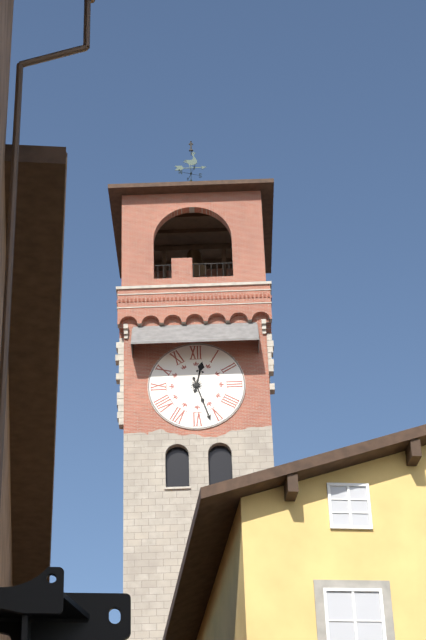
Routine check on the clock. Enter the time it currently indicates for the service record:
12:27
